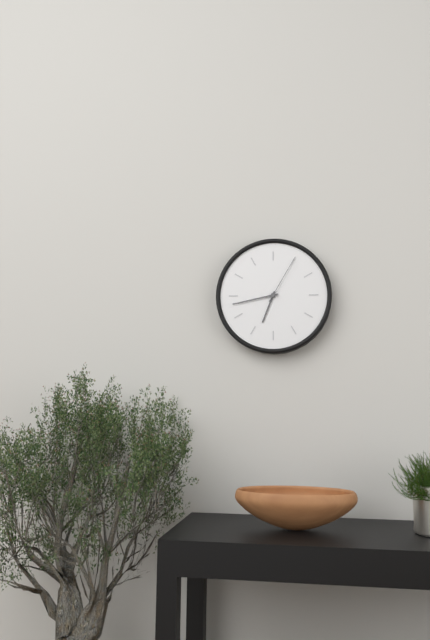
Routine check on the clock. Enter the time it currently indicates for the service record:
6:43:05
